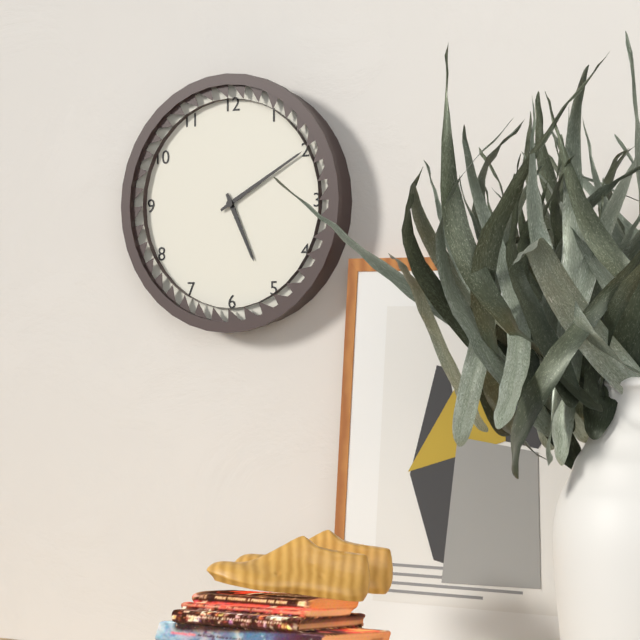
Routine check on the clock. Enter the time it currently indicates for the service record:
5:10
